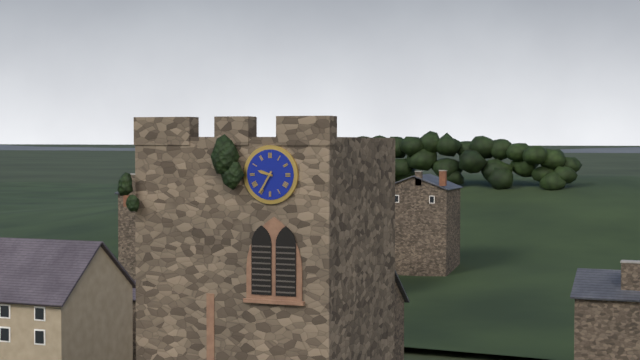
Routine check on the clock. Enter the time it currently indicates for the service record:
9:35
